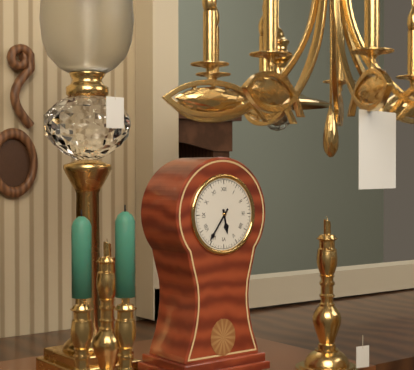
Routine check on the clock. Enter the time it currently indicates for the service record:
5:36
